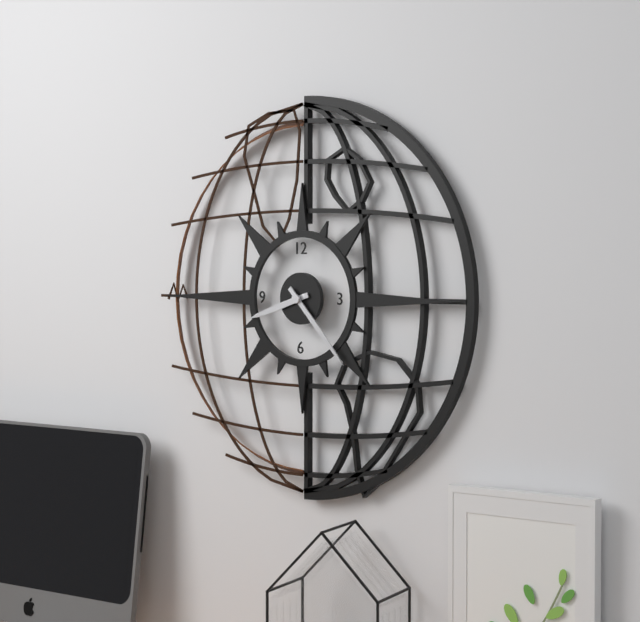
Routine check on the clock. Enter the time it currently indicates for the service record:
8:23
